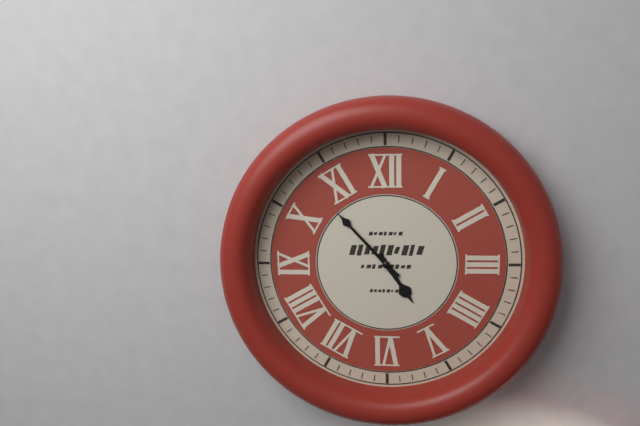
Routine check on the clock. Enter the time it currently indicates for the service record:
4:53
